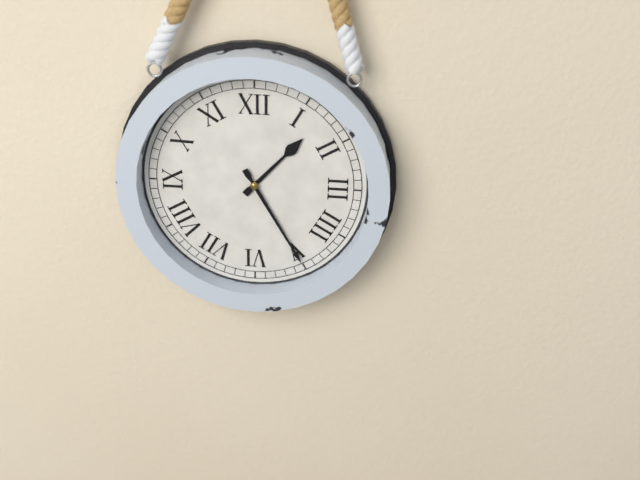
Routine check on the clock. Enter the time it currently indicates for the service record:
1:25
